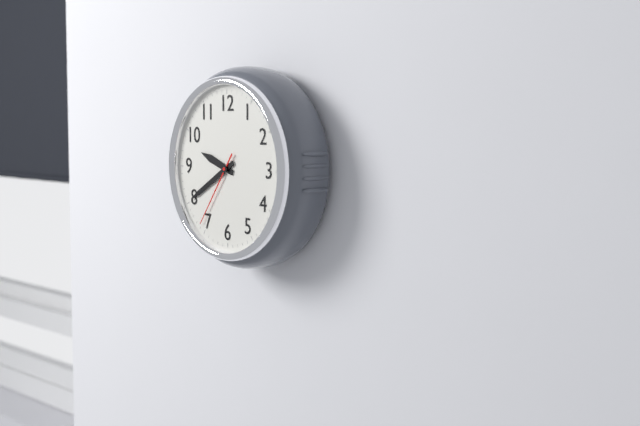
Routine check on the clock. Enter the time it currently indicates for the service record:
9:40:36
